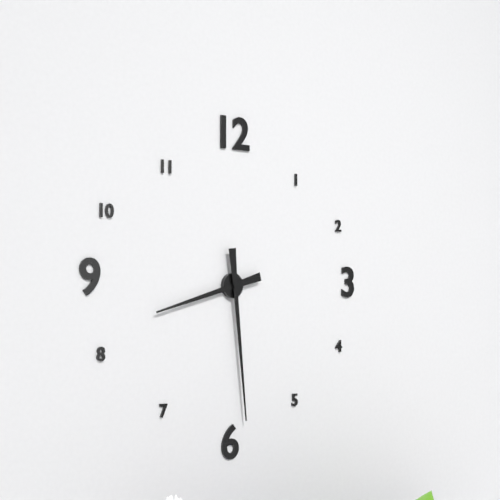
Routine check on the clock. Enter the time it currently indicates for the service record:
8:29
